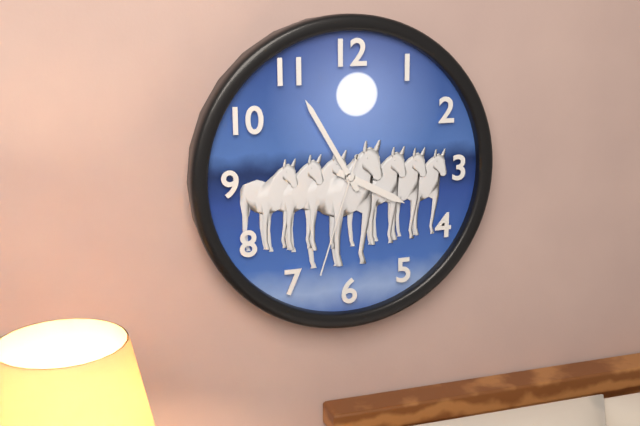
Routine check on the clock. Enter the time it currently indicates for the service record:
3:55:33
